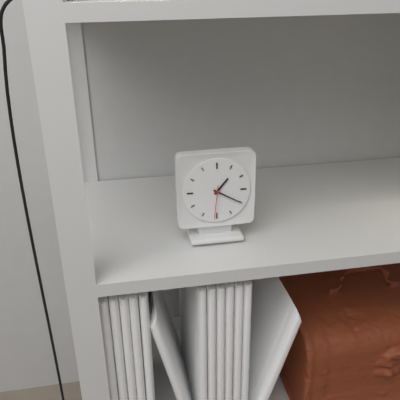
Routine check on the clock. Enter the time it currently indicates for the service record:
1:20
